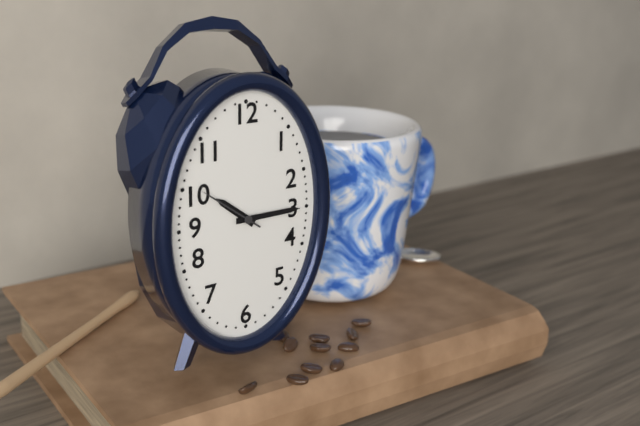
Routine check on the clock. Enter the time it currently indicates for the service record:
10:15:51
